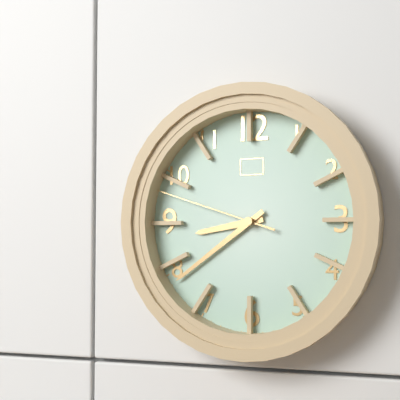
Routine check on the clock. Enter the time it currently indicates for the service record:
8:39:48
